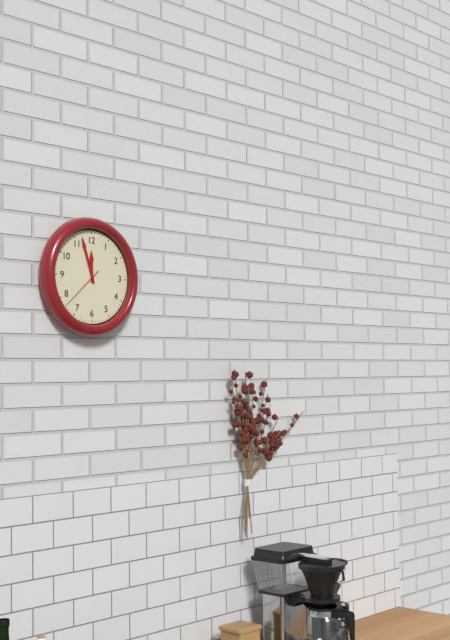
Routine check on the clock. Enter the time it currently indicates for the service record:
11:57
